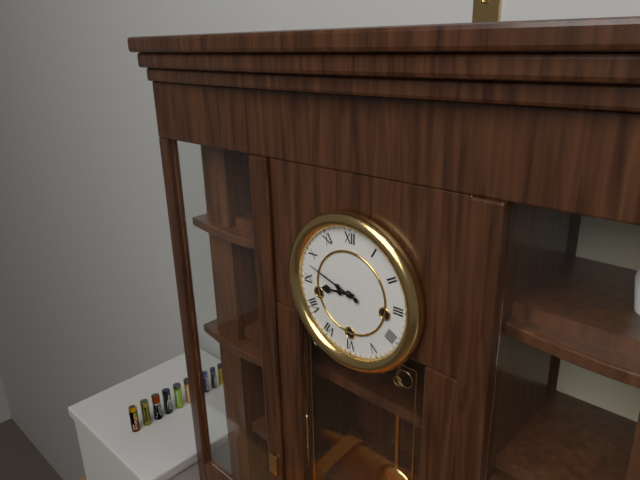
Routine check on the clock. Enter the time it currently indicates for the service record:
8:48
